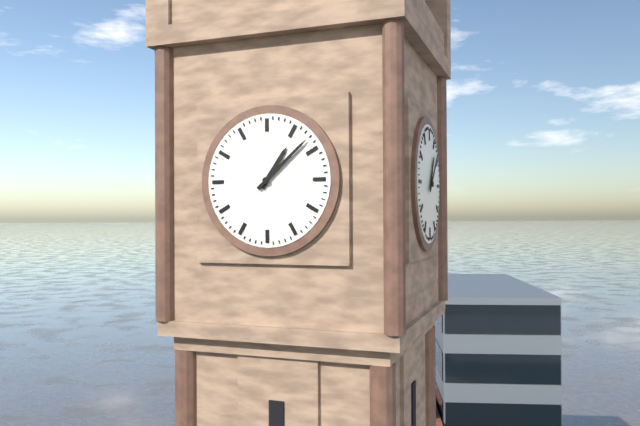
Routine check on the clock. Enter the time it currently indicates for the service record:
1:08
